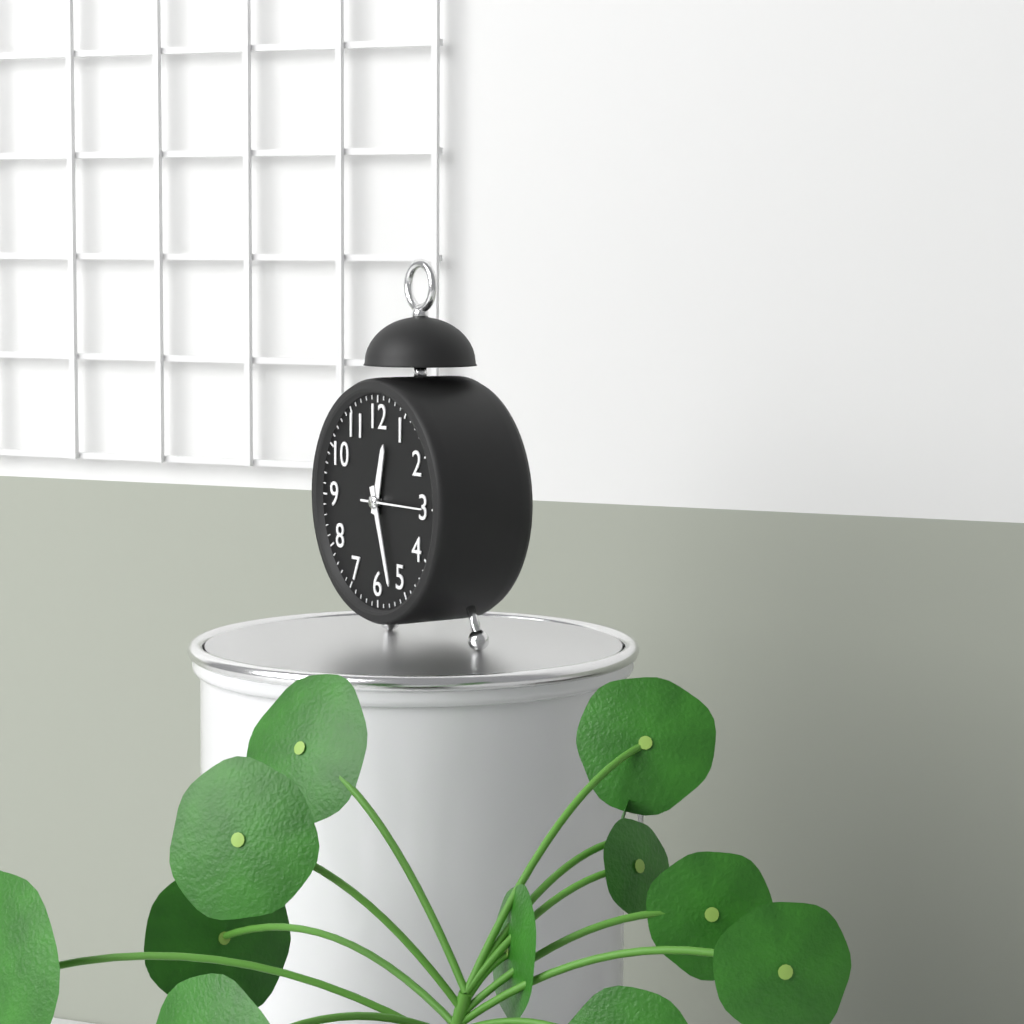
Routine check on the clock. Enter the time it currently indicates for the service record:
12:27:15
